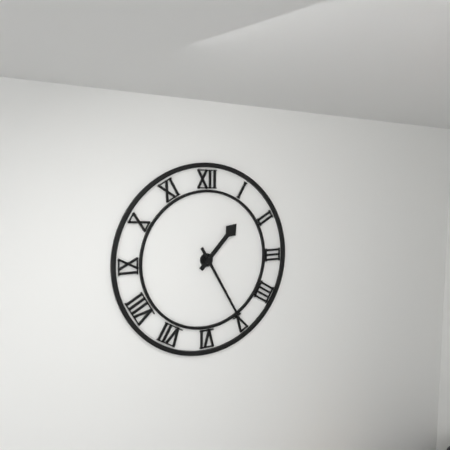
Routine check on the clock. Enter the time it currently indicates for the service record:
1:25
